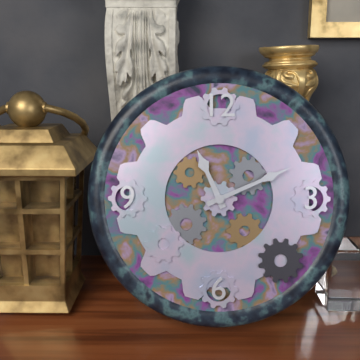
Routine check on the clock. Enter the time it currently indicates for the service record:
11:11
